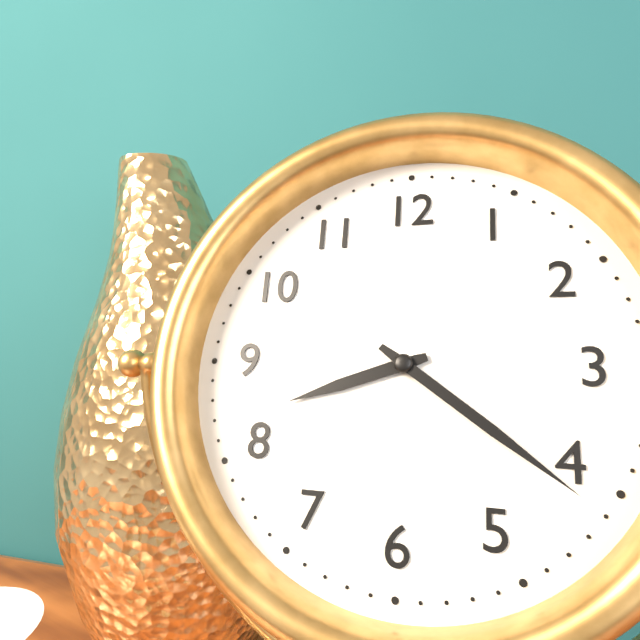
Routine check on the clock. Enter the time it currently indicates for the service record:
8:21
